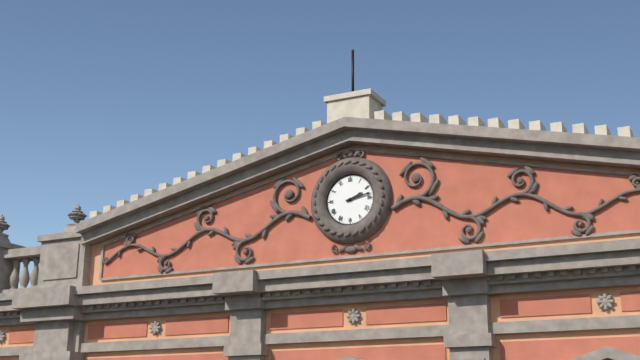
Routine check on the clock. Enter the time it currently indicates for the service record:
2:13
